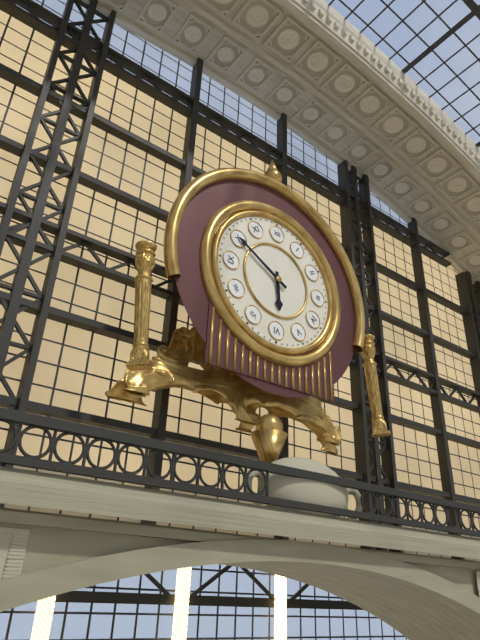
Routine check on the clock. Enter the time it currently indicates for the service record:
5:50
